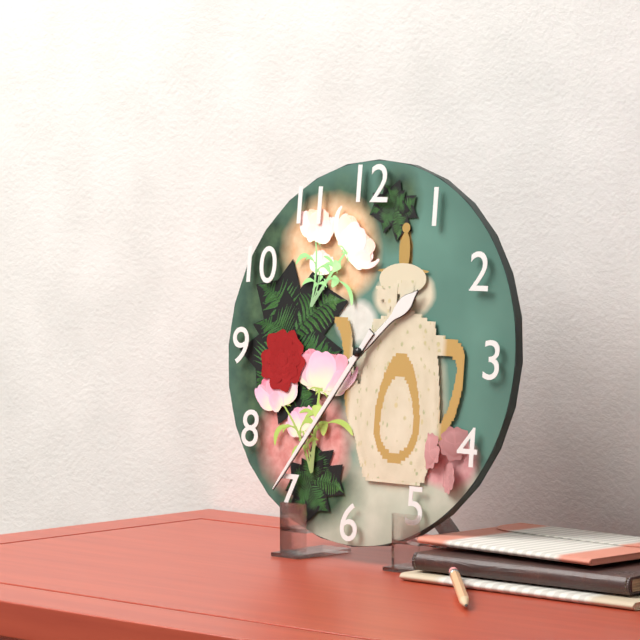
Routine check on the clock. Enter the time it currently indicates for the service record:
1:36
